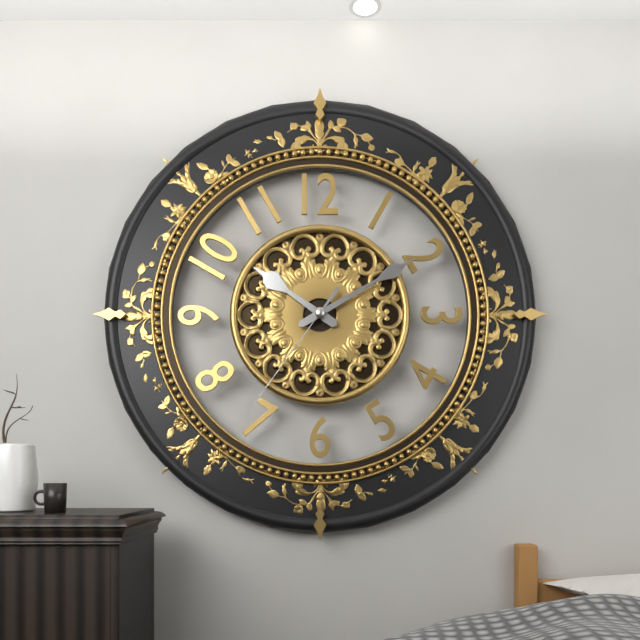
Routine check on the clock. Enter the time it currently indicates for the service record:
10:10:36
